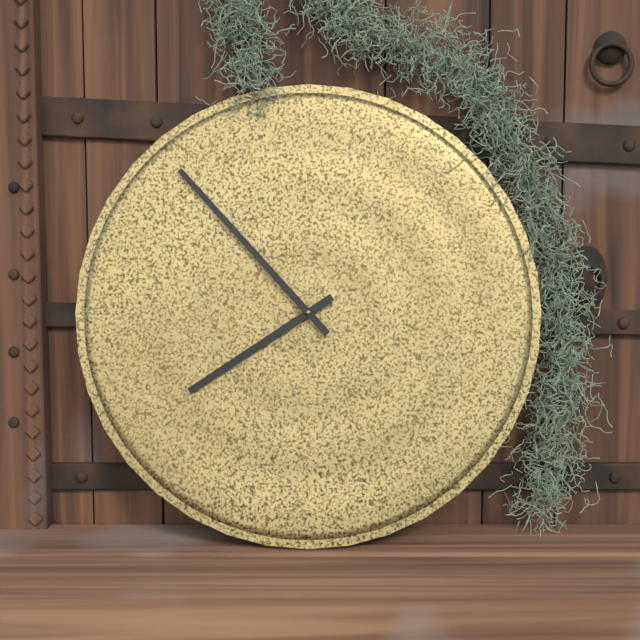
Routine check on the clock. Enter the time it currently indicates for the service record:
7:53
